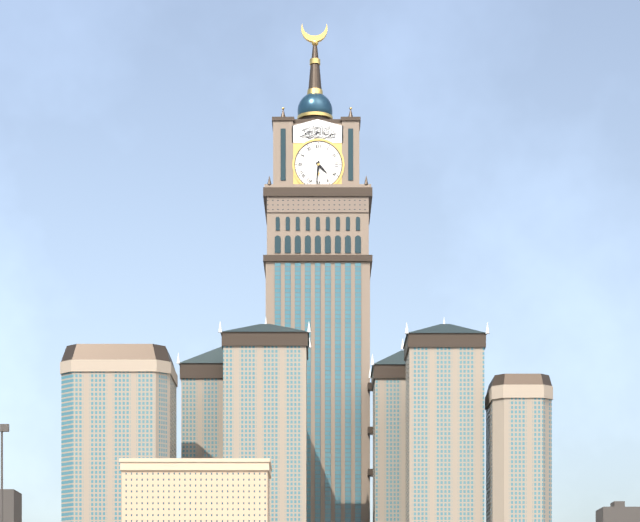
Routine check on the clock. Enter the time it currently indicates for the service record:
4:31
